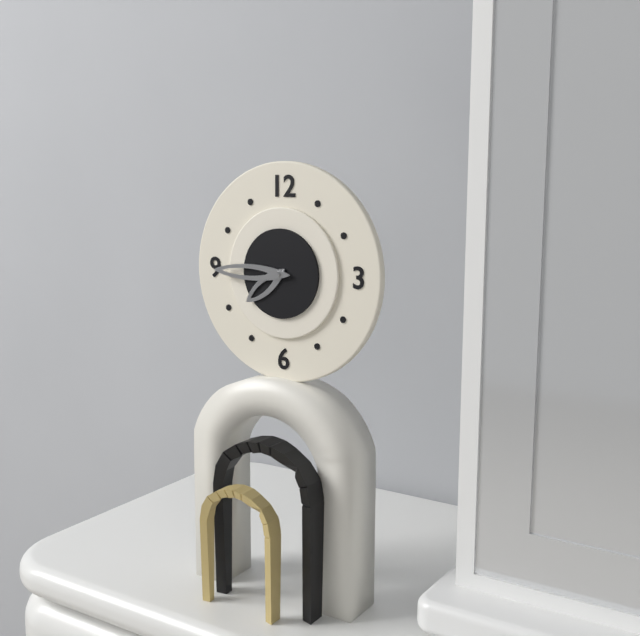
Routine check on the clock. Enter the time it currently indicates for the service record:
7:45
